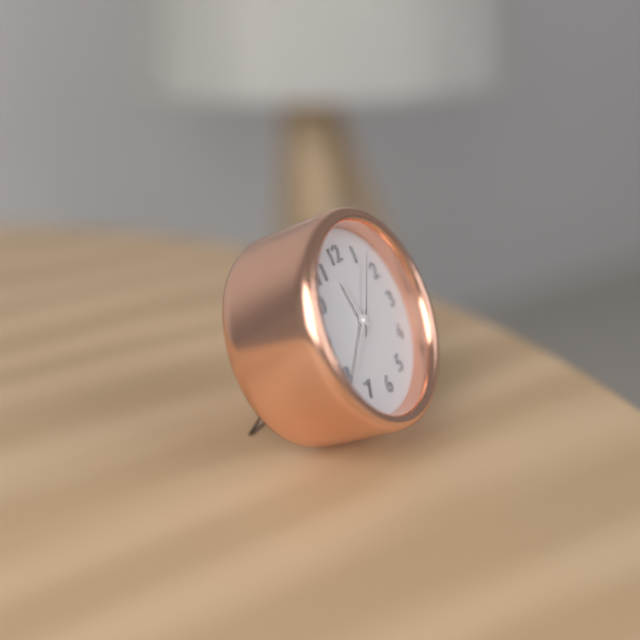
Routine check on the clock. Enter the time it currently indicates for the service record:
11:39:07
